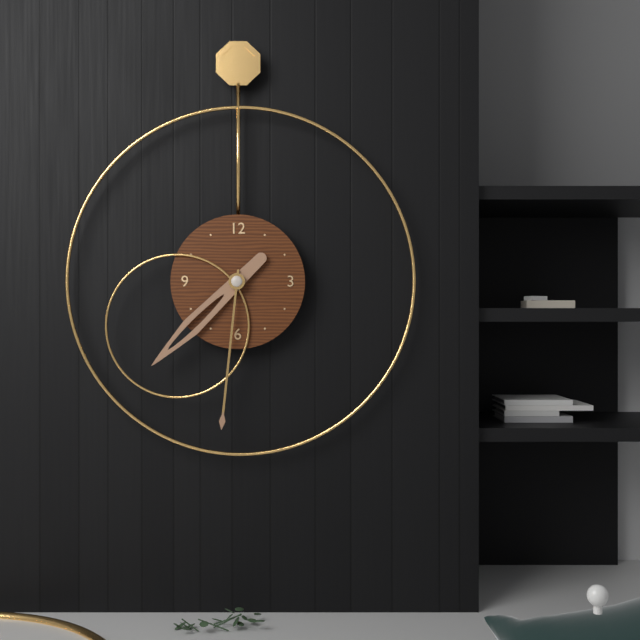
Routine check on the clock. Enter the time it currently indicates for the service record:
7:31
